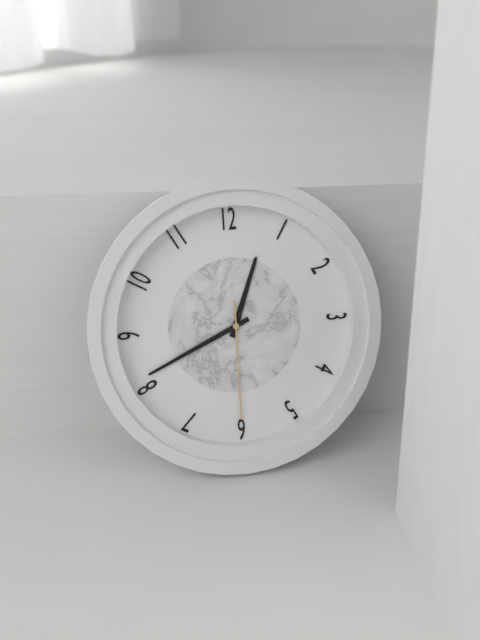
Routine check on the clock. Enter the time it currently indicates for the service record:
12:41:30
